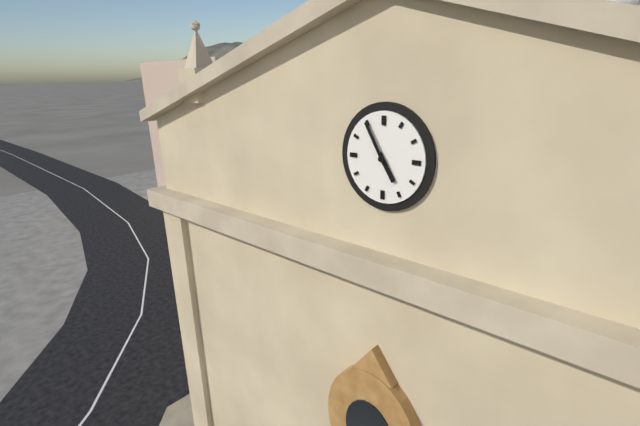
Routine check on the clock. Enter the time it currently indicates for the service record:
4:55
